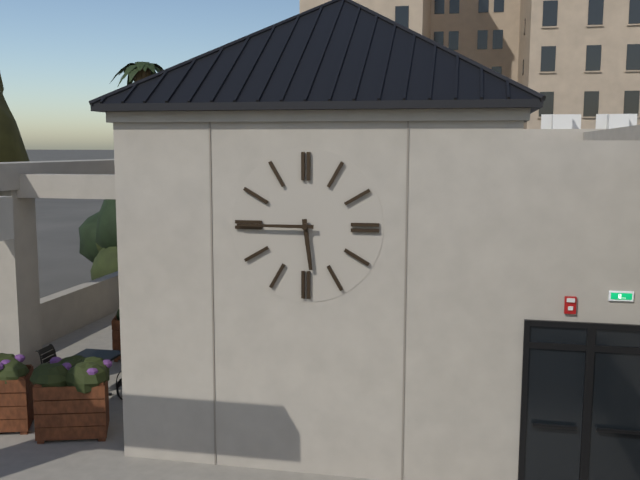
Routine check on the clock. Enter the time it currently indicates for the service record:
5:45
